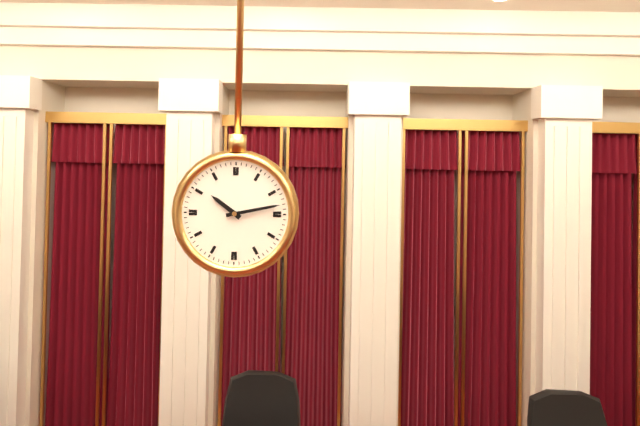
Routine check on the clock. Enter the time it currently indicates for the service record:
10:13
